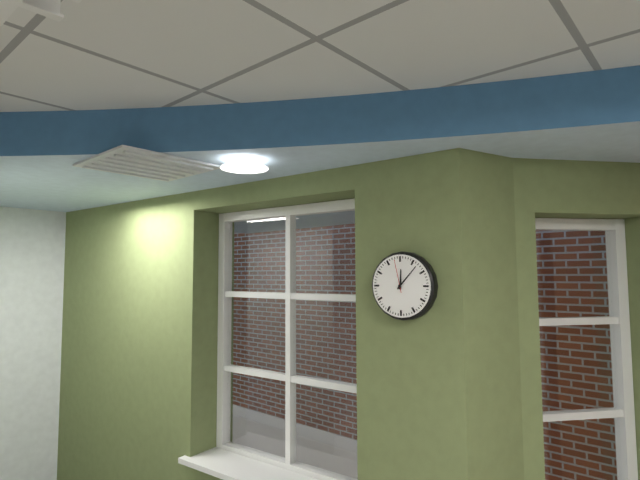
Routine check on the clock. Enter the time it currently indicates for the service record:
12:07
